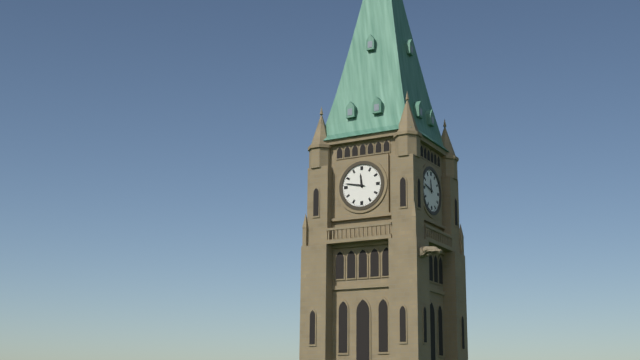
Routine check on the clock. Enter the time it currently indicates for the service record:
11:47
